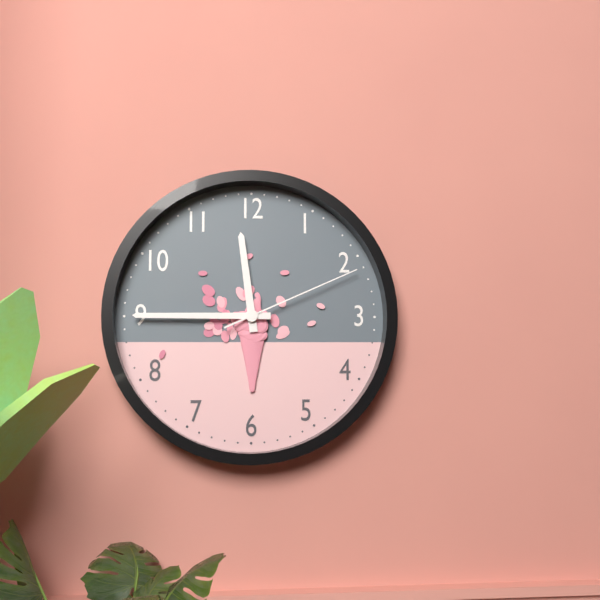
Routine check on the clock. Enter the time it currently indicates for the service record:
11:45:11
